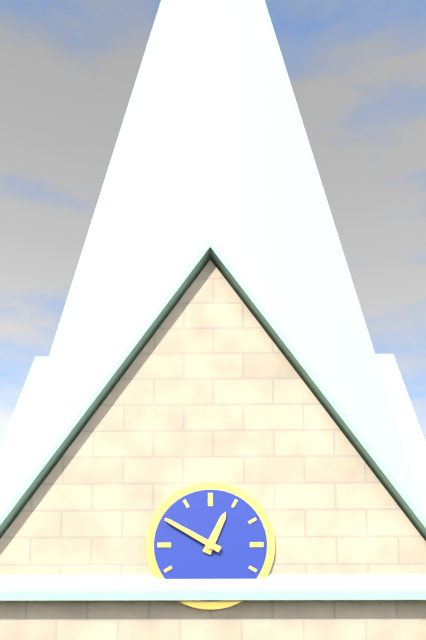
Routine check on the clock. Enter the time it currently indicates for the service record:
12:50
